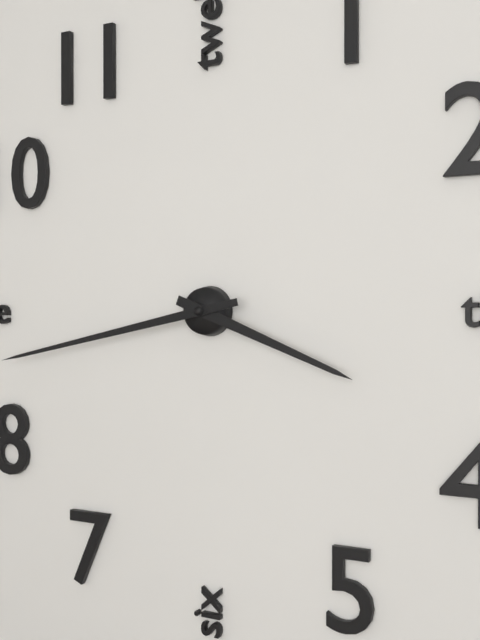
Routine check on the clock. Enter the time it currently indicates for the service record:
3:43
